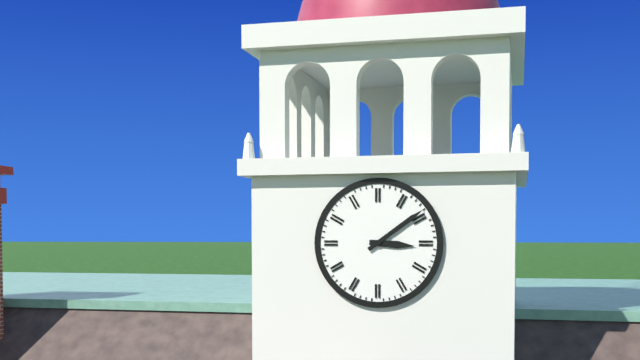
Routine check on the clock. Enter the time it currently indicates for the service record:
3:09
